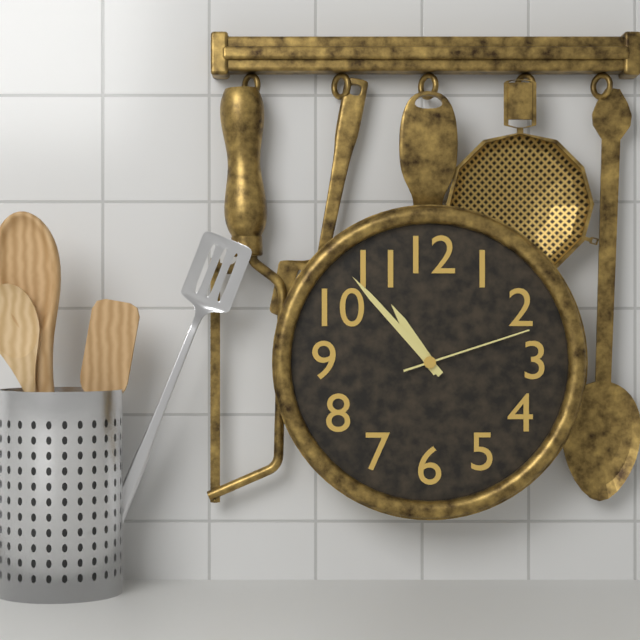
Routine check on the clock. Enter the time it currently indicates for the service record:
10:53:12
